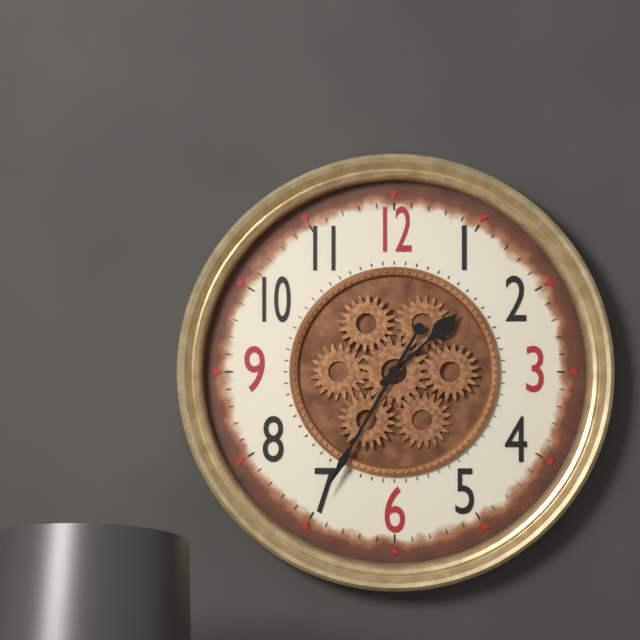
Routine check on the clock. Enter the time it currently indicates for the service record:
1:35
